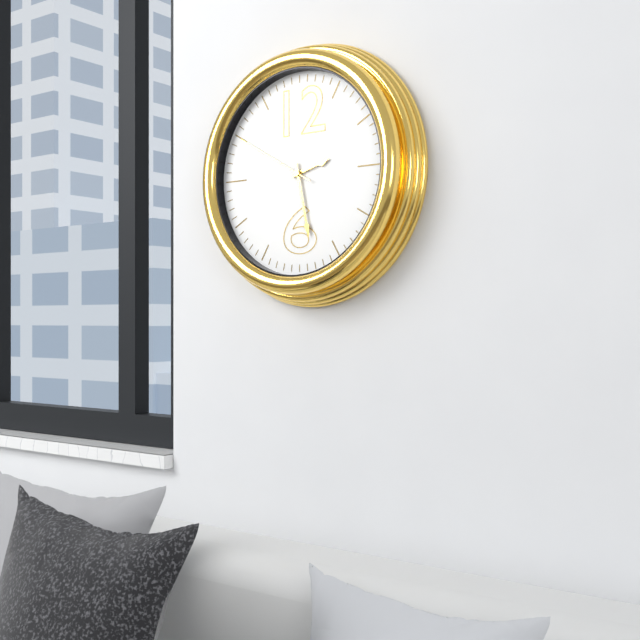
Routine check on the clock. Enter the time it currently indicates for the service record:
2:28:50
